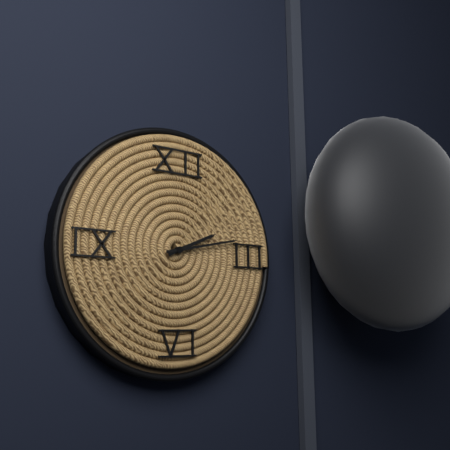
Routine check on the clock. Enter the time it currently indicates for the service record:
2:13
